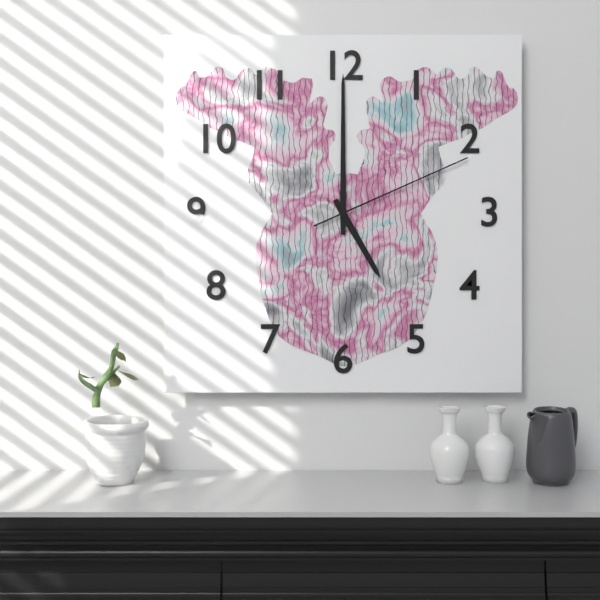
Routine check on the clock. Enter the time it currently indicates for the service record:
5:00:11
